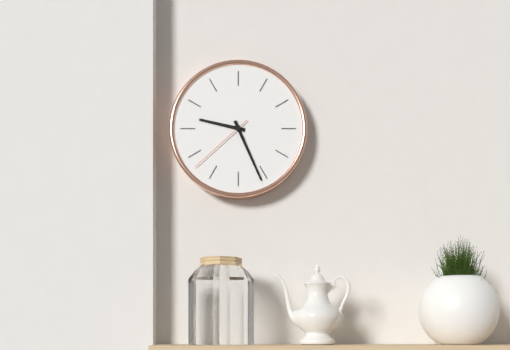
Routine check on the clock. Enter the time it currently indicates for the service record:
9:26:38
